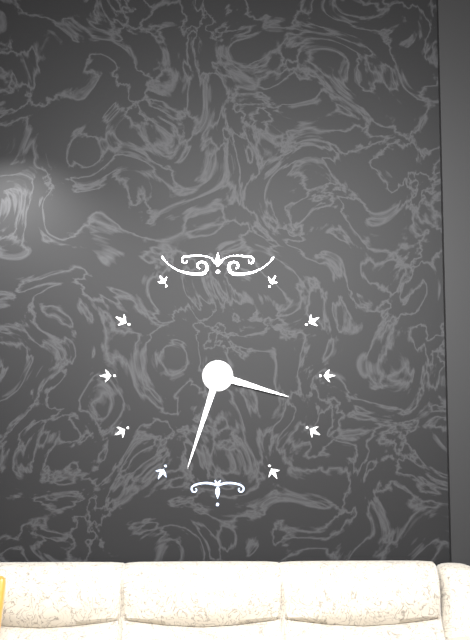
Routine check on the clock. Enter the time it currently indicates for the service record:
3:33
